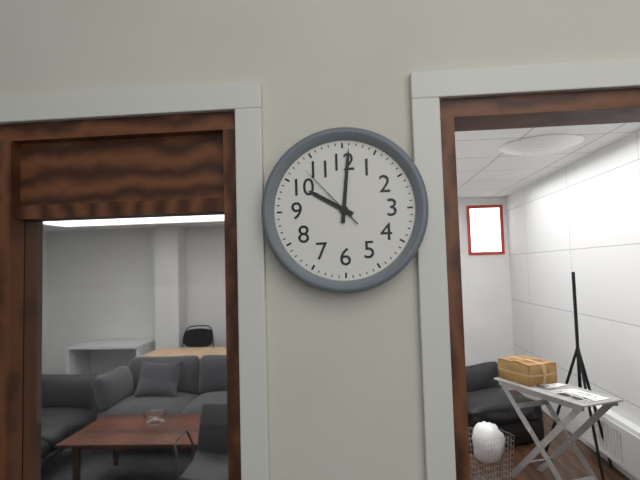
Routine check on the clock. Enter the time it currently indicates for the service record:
10:01:53
